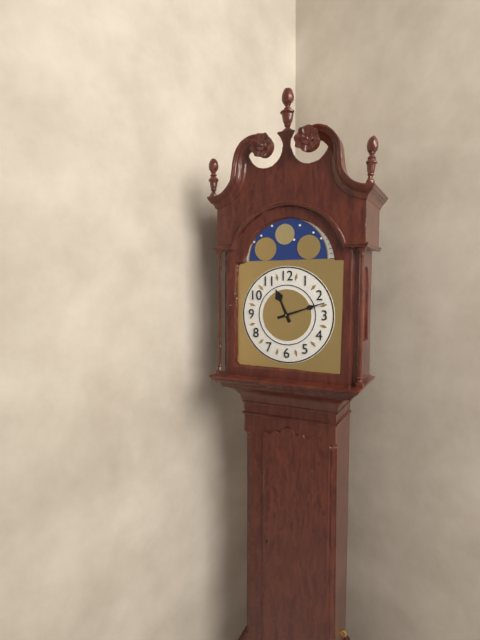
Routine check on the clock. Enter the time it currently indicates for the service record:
11:12
